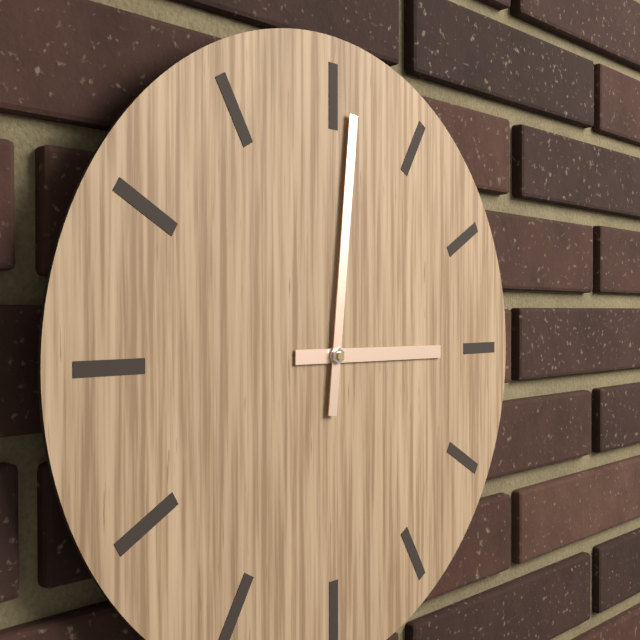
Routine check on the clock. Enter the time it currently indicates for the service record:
3:01
